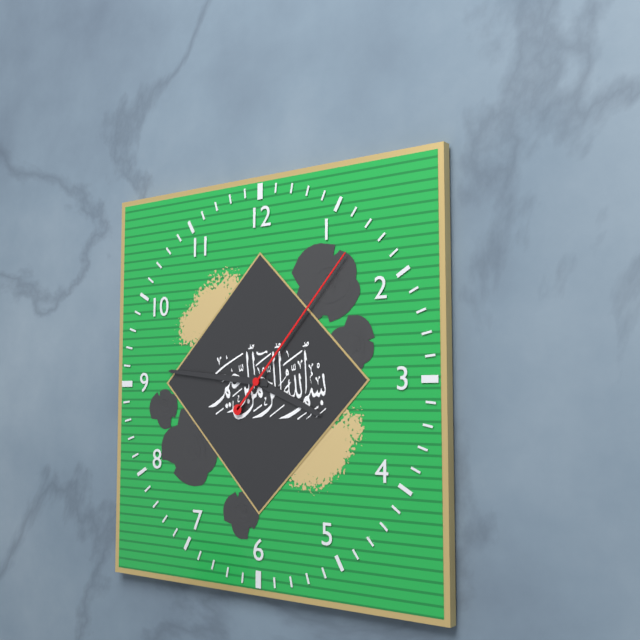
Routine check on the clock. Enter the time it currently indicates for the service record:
3:46:07
